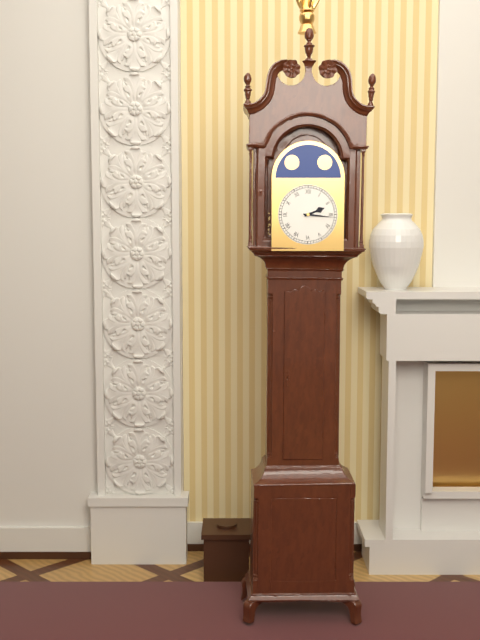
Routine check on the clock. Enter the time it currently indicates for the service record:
2:16
